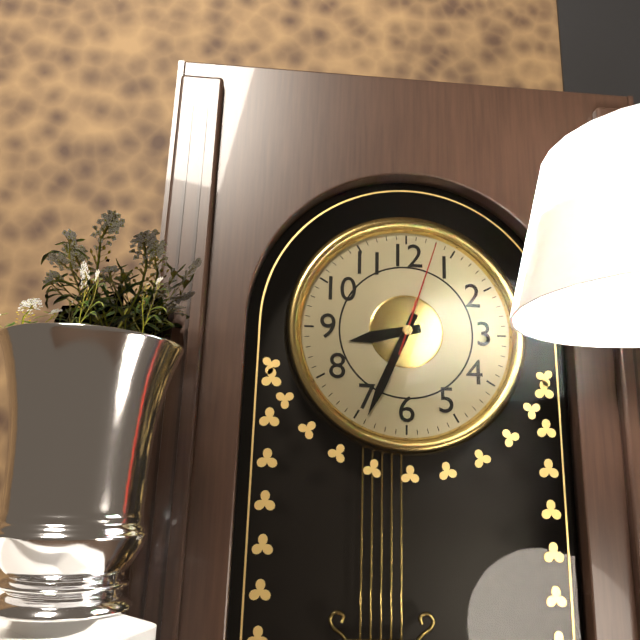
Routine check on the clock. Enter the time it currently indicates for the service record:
8:34:03
